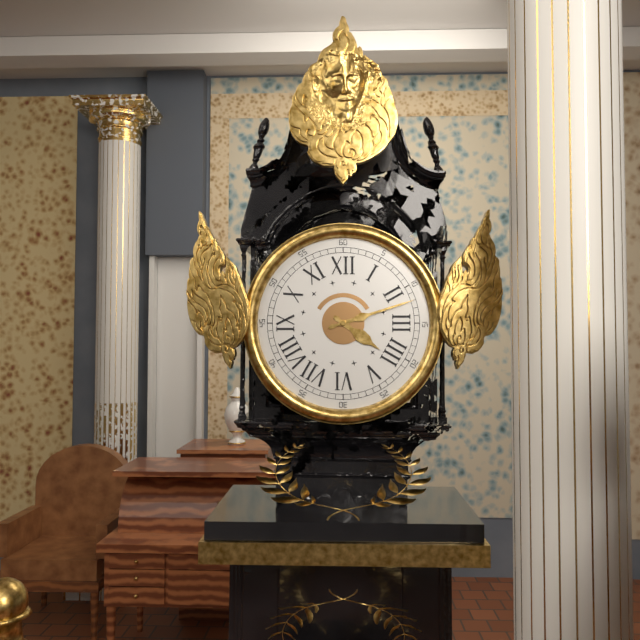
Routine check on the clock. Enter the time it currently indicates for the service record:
4:12
